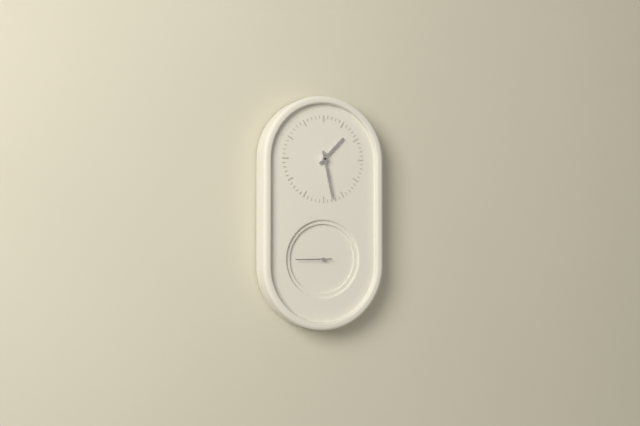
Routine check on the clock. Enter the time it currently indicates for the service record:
1:28
